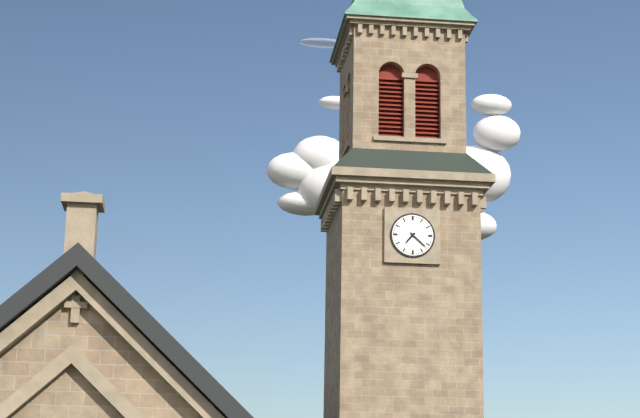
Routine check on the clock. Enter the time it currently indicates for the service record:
7:22
